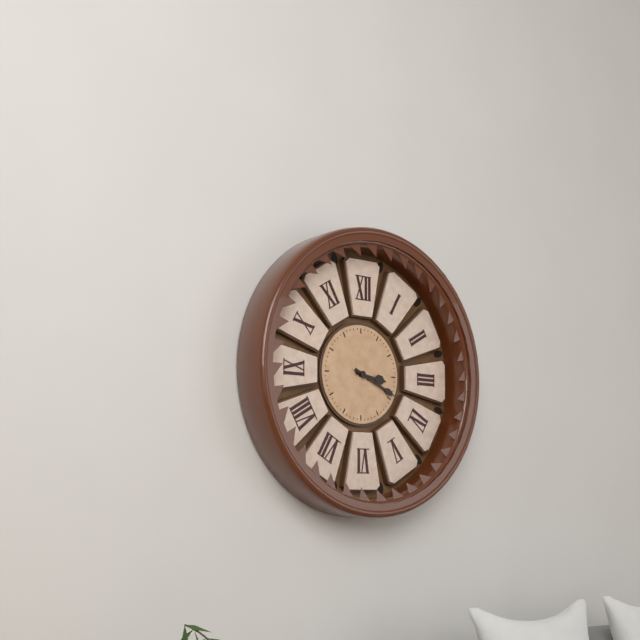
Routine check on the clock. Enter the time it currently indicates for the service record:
3:19
